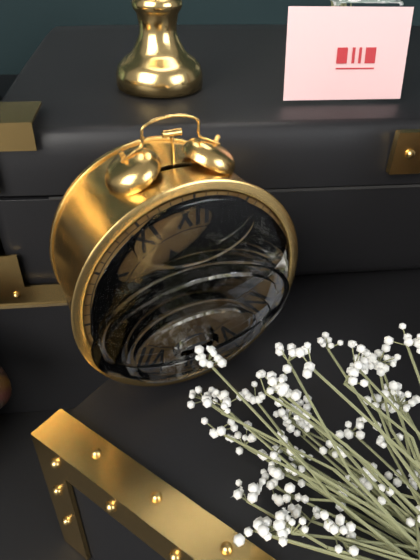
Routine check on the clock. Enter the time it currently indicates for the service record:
11:16
